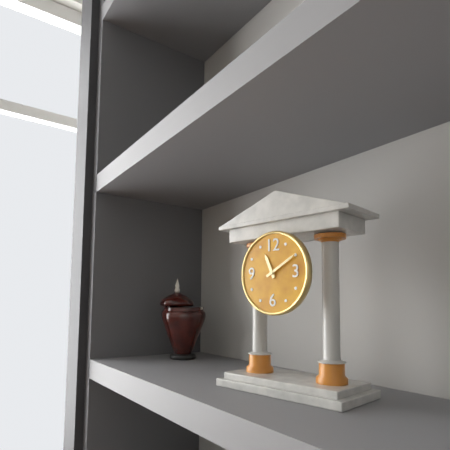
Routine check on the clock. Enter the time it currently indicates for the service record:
11:10
